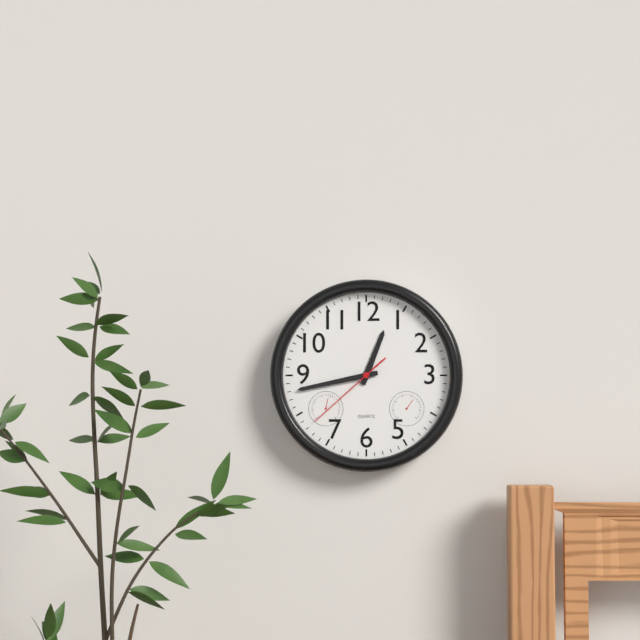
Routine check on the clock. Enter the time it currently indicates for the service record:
12:43:38
